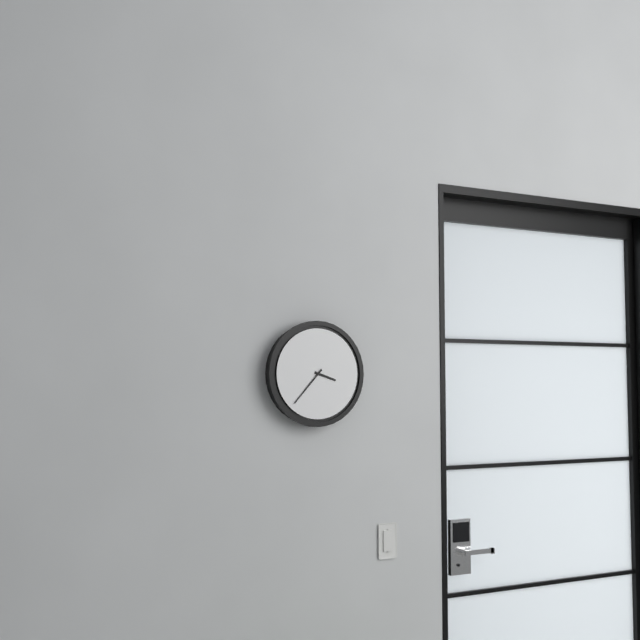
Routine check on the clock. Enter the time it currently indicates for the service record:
3:37
